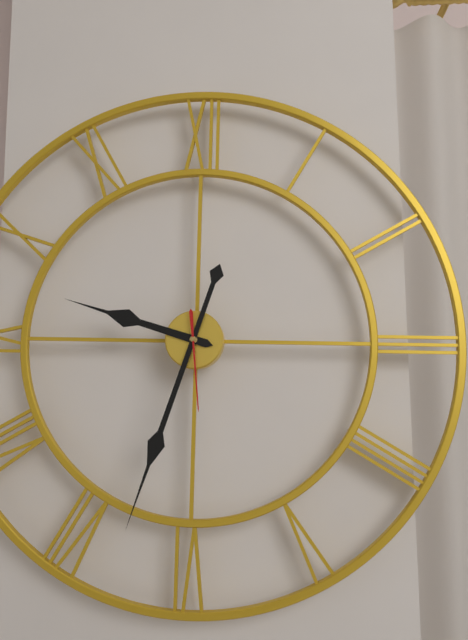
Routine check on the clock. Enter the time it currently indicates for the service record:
9:33:29
